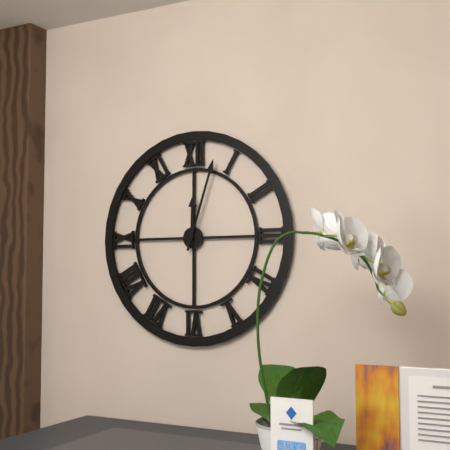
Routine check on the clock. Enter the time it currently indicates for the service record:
12:03
